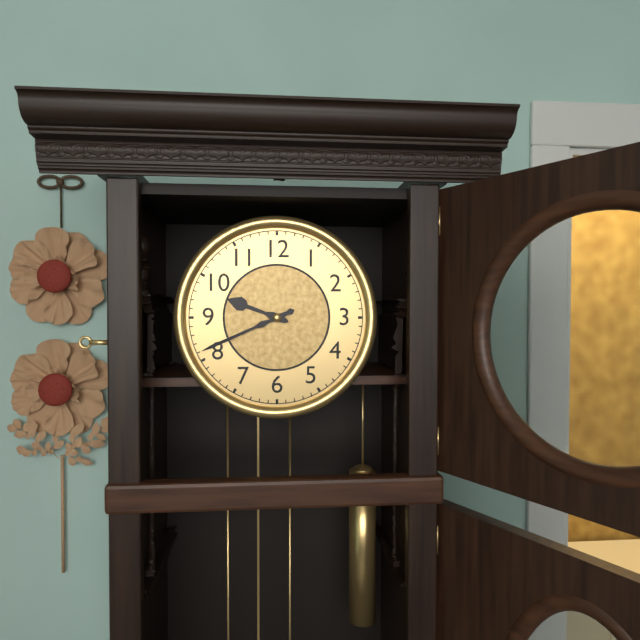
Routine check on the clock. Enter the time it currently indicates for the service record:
9:41
